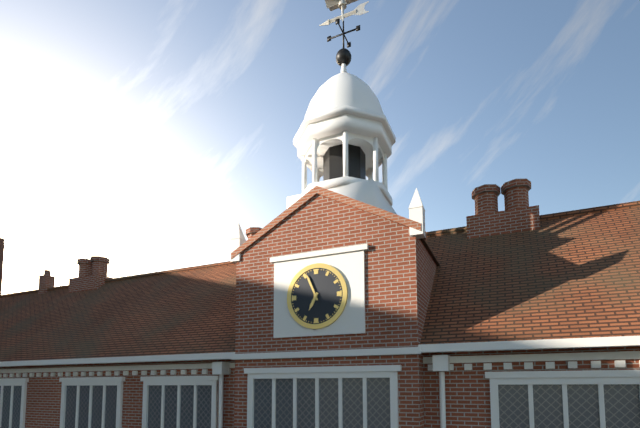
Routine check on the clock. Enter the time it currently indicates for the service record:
6:56
